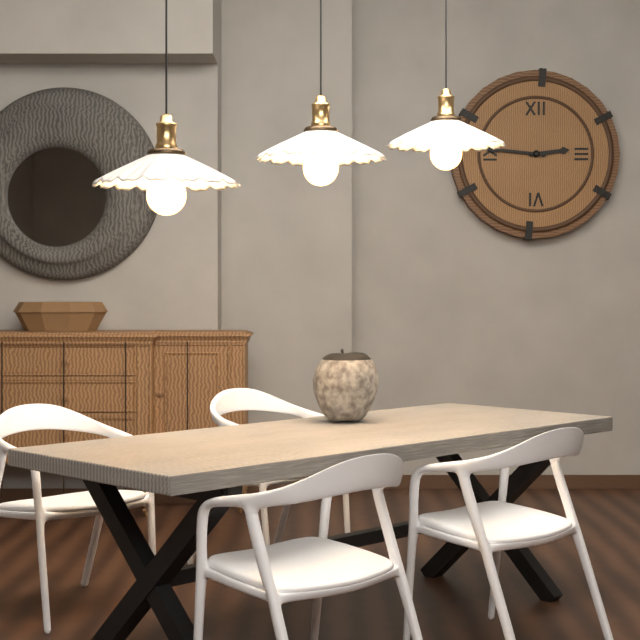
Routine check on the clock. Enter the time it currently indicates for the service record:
2:46
